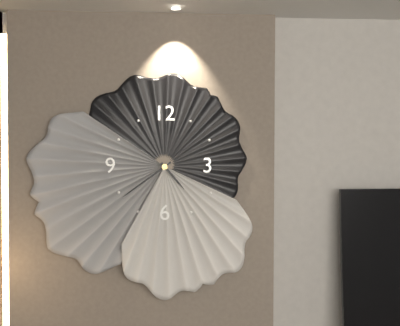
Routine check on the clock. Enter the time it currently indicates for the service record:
4:39
